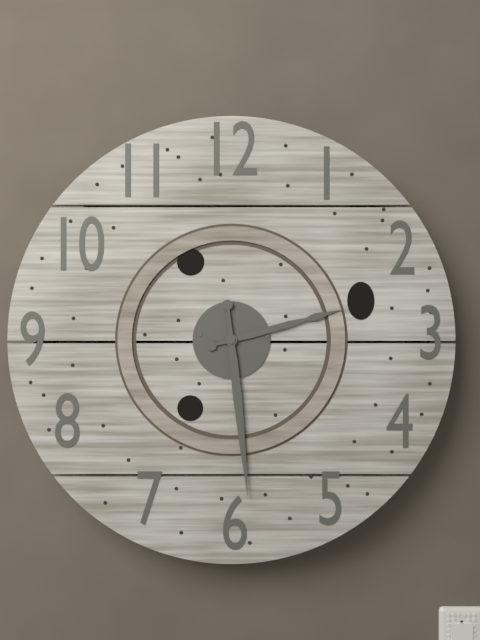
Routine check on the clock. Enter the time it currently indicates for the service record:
2:29
